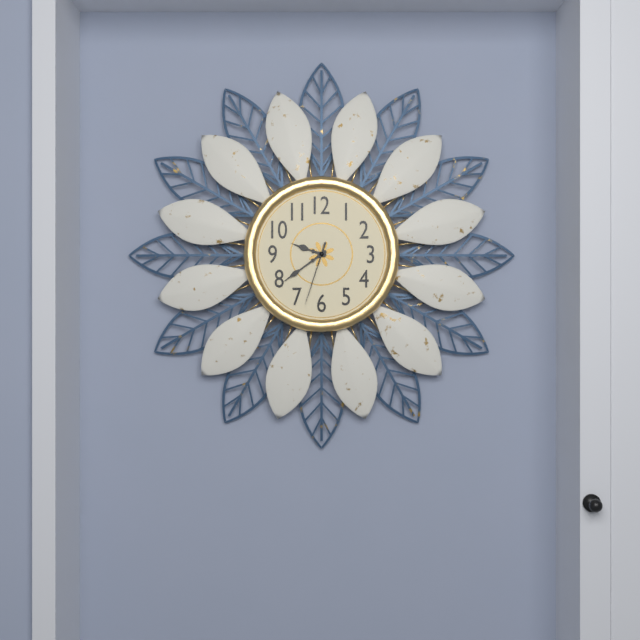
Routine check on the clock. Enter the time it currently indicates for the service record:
9:39:33
